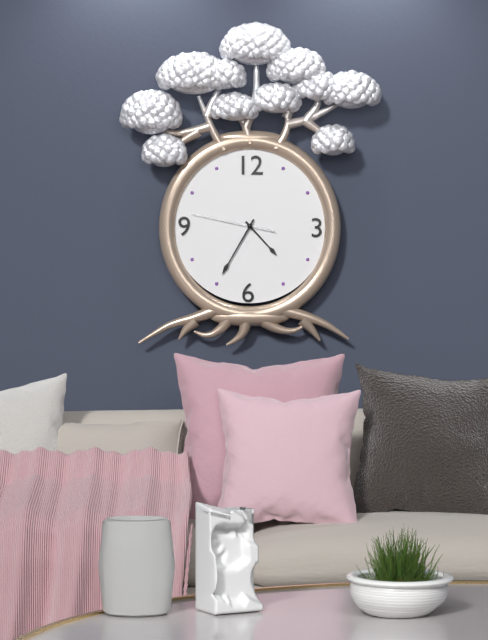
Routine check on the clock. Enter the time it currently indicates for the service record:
4:35:47
